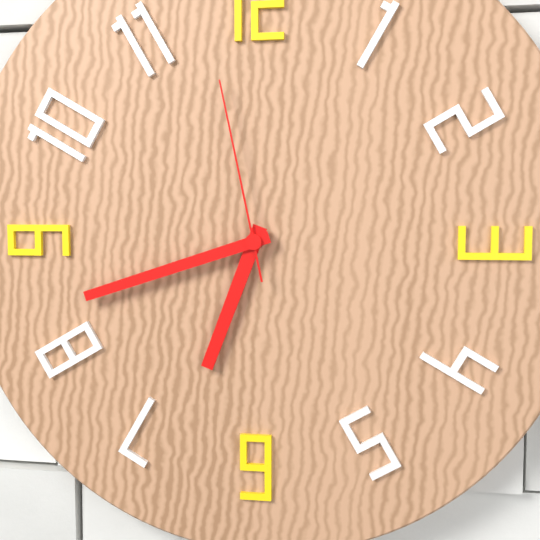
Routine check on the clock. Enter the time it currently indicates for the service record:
6:42:58
